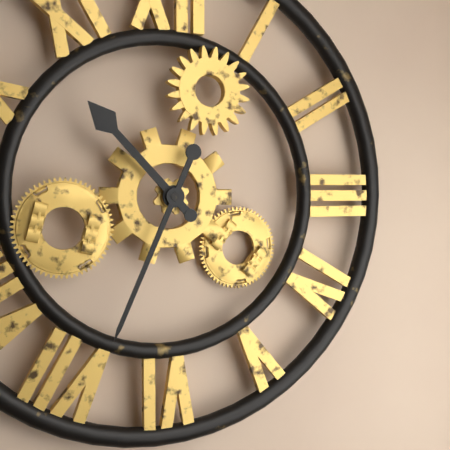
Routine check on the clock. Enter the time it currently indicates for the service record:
10:34
